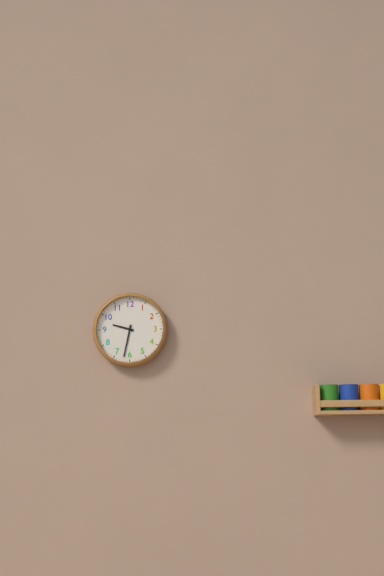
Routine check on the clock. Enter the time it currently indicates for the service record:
9:32
